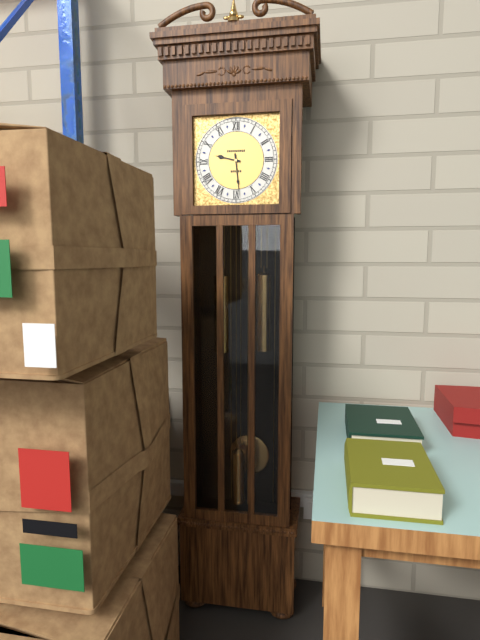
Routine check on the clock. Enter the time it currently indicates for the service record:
9:29
